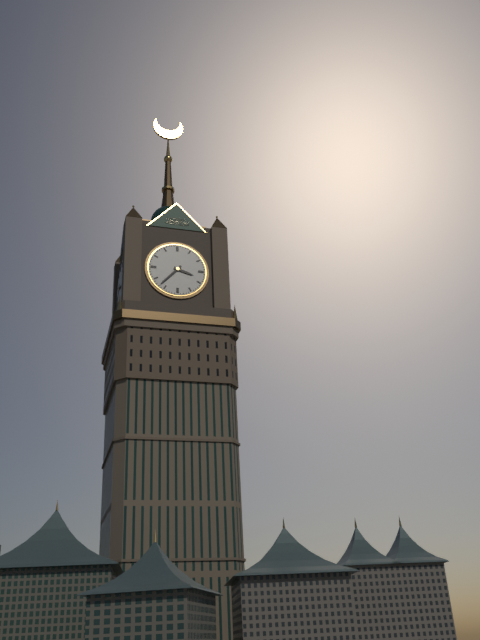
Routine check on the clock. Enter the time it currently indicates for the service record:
3:37
